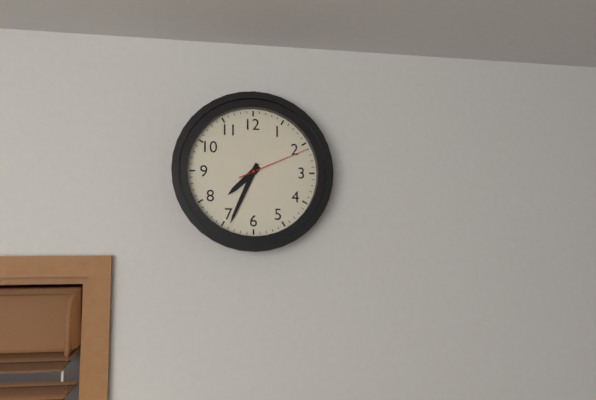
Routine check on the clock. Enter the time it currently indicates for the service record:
7:34:11
